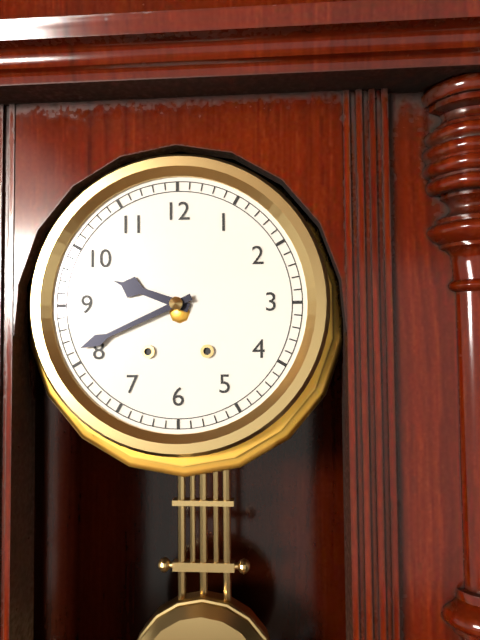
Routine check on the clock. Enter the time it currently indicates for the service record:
9:41
